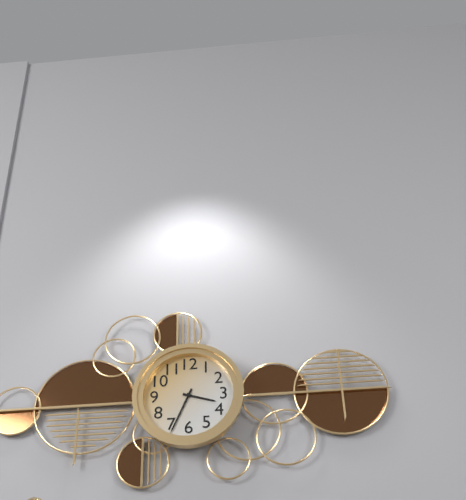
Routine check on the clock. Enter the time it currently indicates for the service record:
3:34
